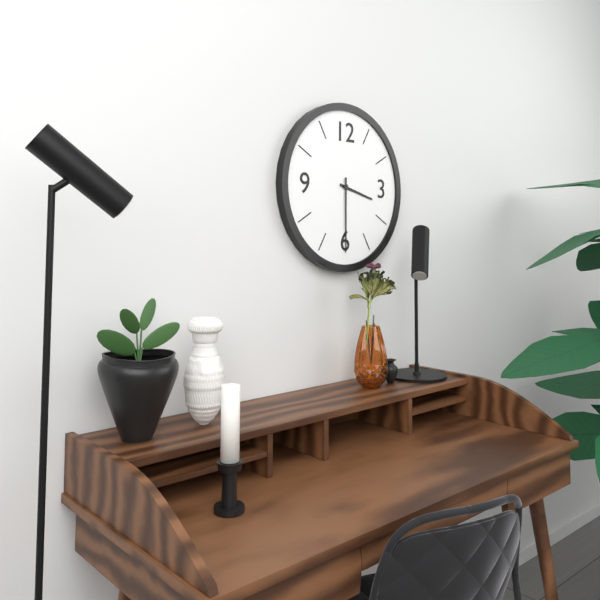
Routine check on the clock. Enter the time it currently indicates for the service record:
3:30
